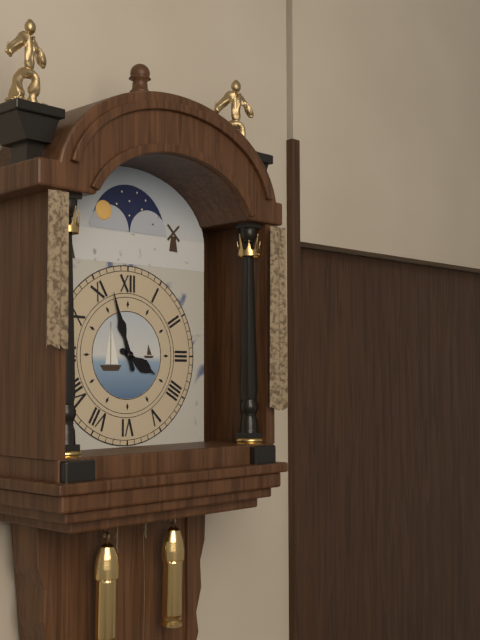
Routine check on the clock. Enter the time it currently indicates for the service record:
3:57
